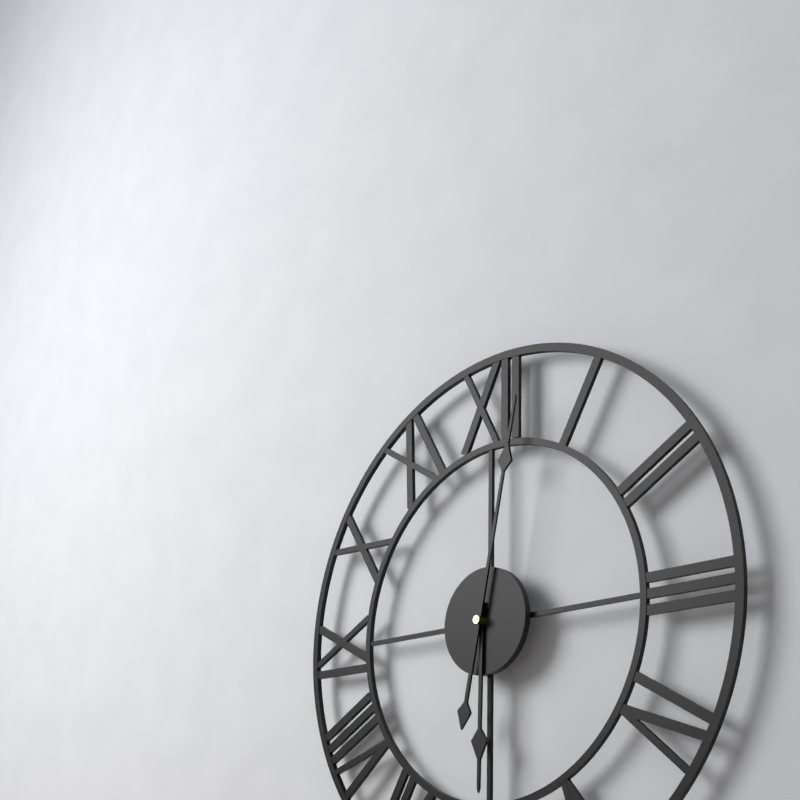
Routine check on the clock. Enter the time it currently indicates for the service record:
6:02
